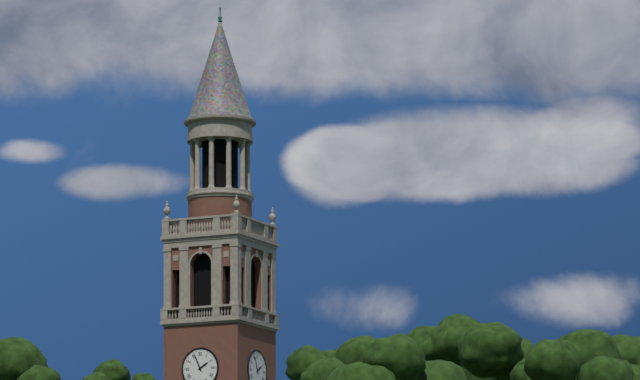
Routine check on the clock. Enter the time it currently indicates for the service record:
1:56
